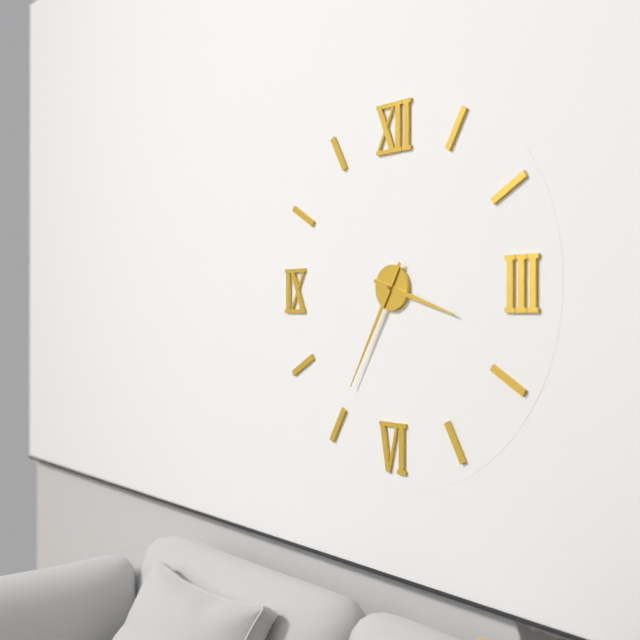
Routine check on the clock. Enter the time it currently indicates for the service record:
3:35
